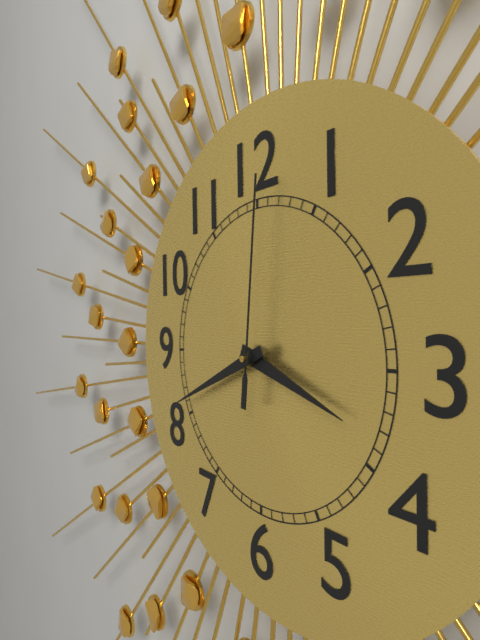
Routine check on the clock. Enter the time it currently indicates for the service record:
3:41:01
